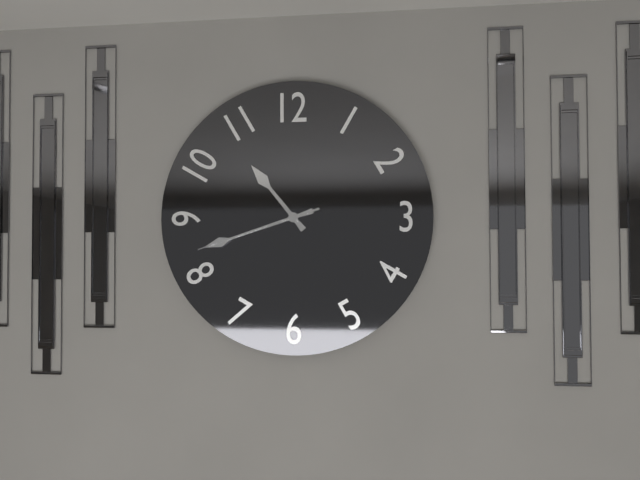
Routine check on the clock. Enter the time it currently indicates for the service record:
10:42:42
